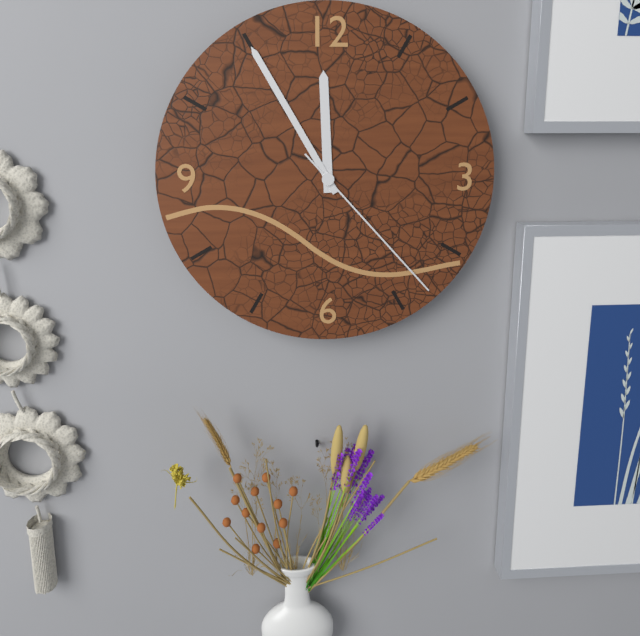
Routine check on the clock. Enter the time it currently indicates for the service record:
11:55:23
